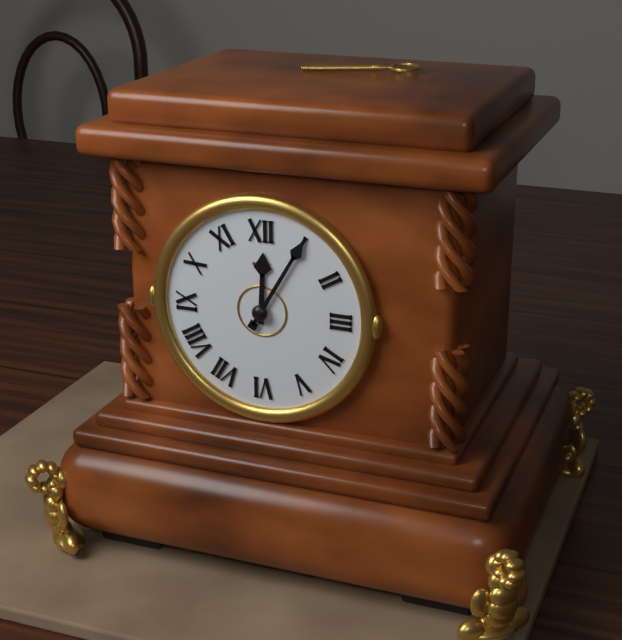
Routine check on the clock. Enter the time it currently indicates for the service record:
12:05
